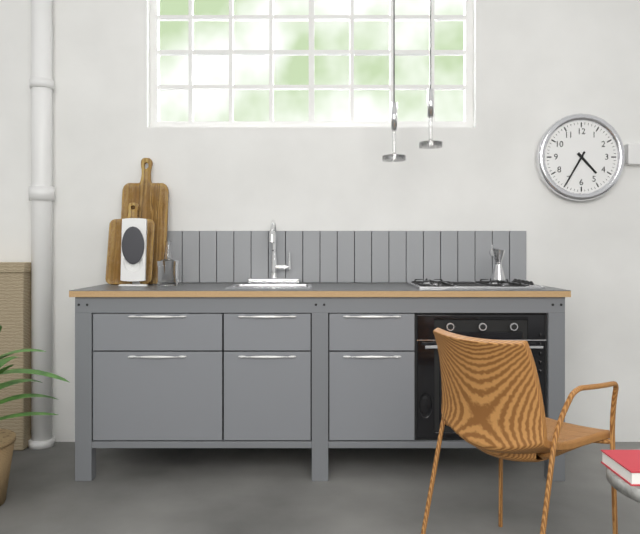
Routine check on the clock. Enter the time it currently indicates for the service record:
4:35
